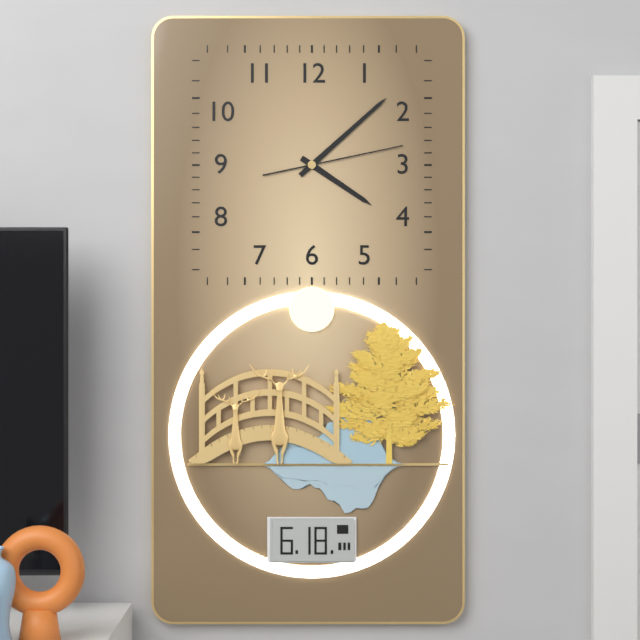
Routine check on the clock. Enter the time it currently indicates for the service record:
4:08:13
